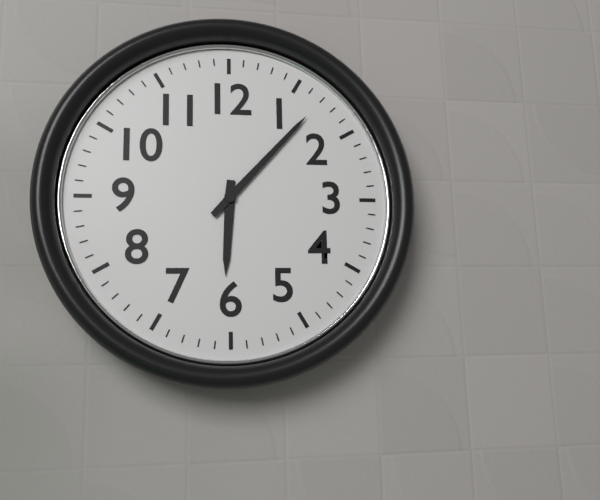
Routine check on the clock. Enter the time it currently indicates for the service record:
6:07
